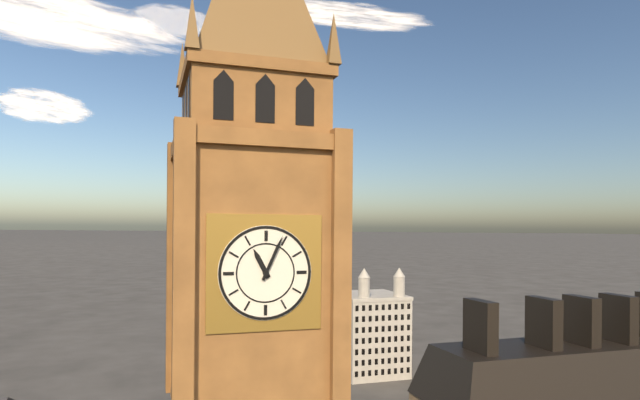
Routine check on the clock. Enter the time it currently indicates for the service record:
11:04
